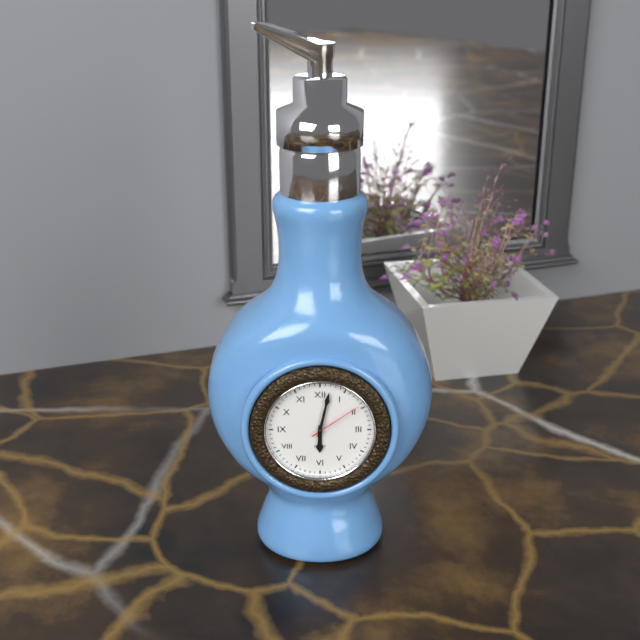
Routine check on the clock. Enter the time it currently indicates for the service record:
6:02:09
